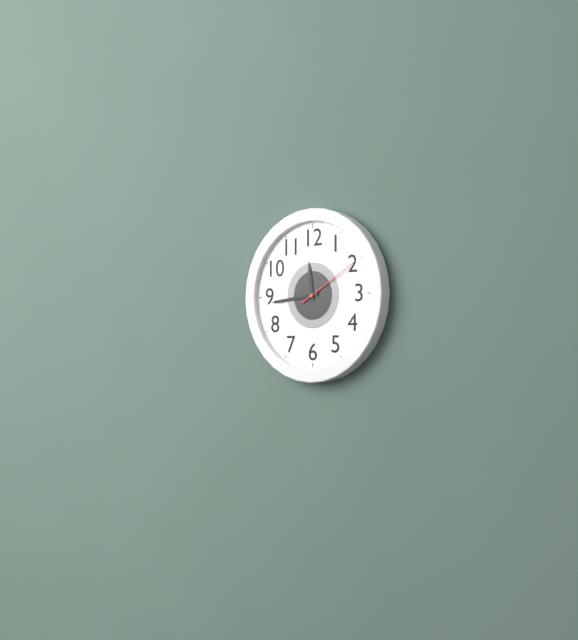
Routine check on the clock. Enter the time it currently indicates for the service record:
11:44:10
